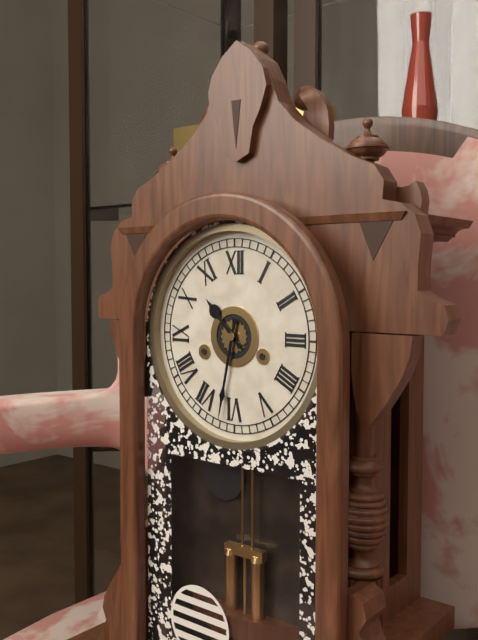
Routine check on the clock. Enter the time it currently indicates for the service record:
10:32
